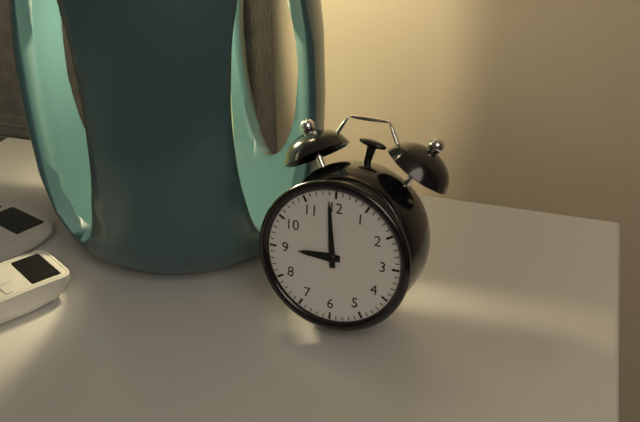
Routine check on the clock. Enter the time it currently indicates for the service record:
8:59
